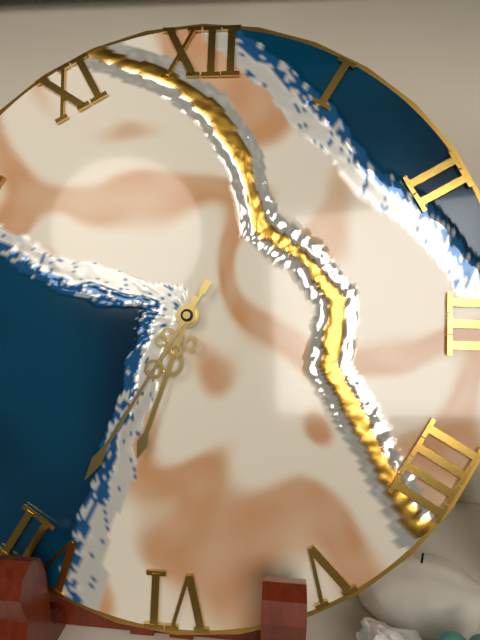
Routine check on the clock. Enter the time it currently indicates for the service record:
6:35
